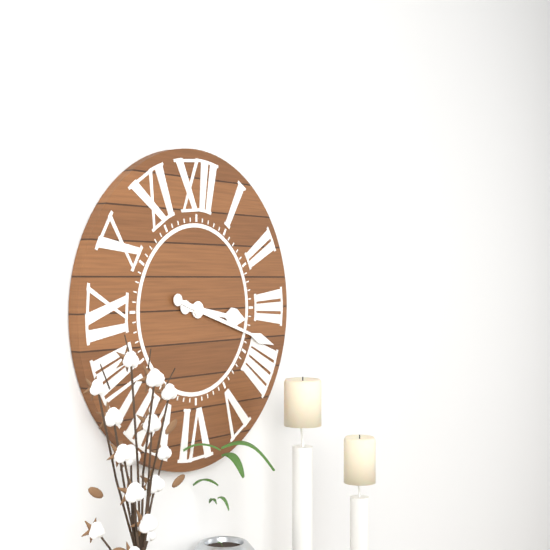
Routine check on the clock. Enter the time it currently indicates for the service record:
3:18
